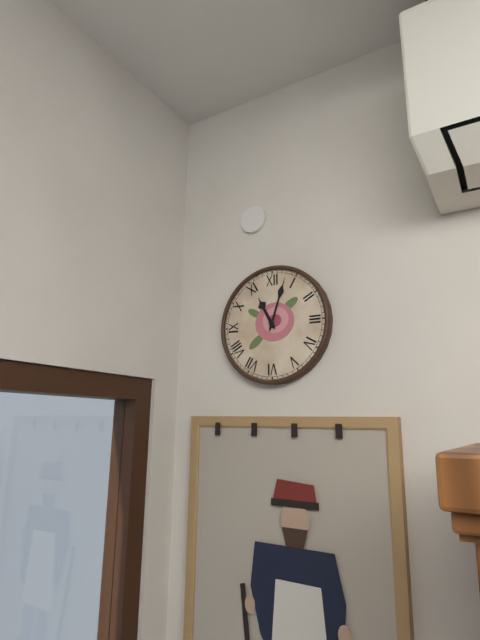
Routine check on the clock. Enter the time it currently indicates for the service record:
11:03
